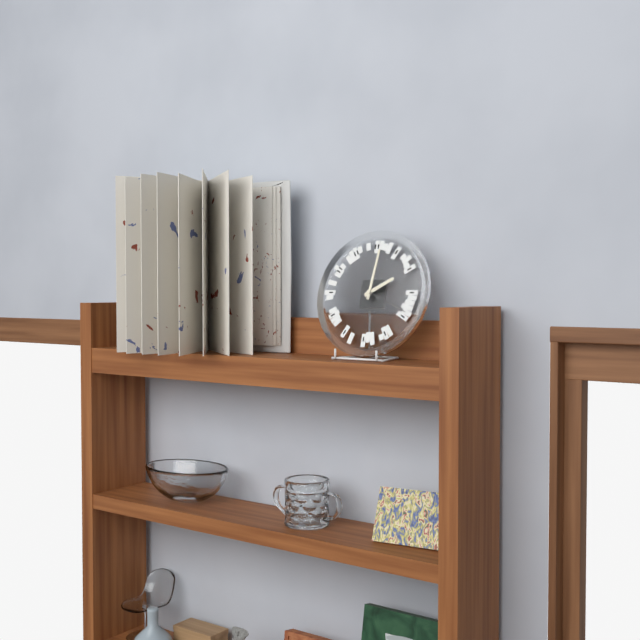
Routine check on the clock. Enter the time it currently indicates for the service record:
2:01:19
